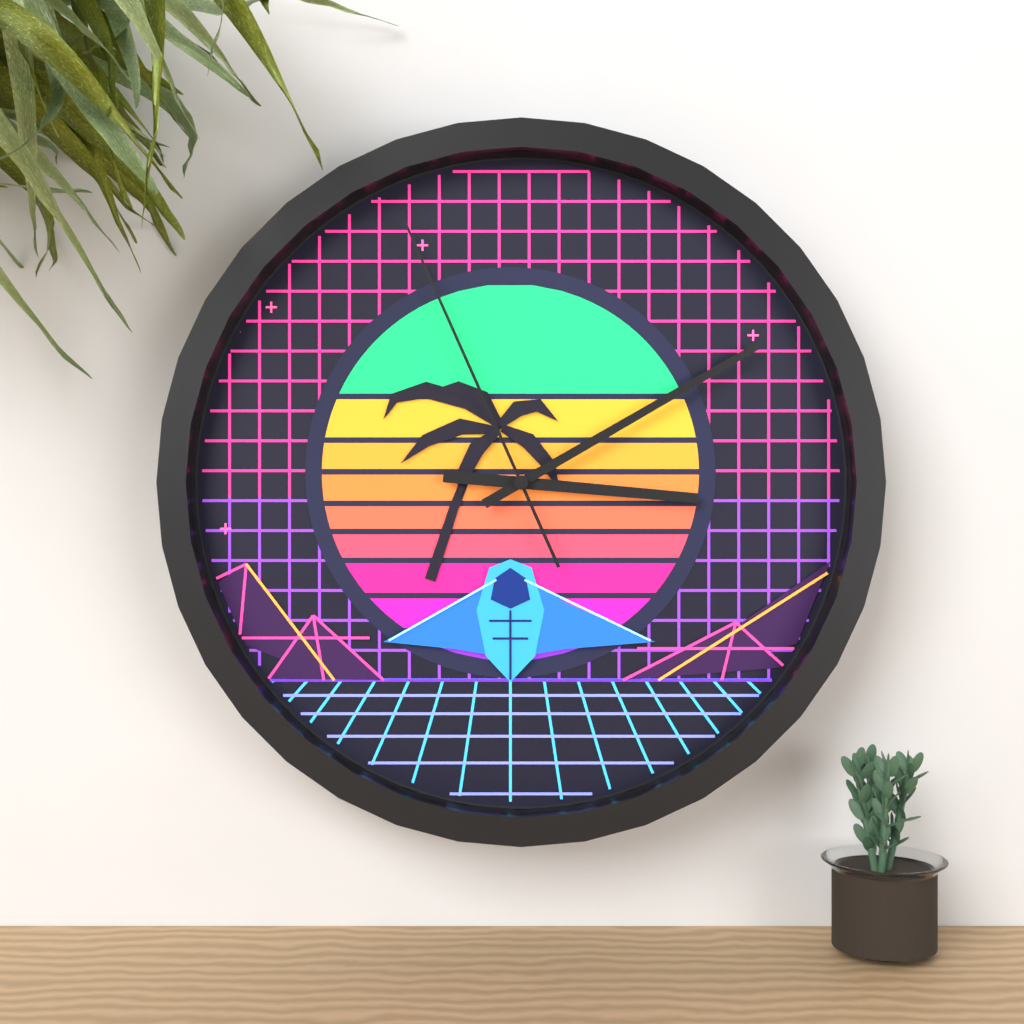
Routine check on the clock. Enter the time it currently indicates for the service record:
3:10:56
